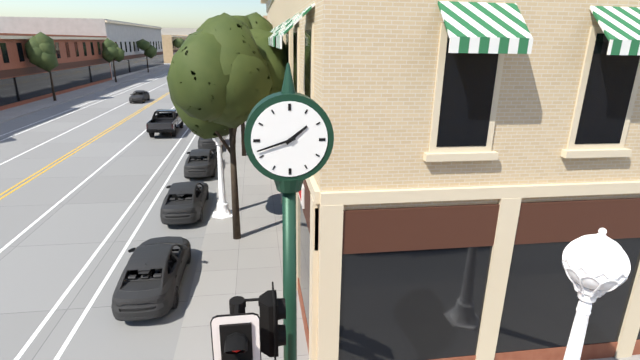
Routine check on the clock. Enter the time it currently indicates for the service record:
1:42
